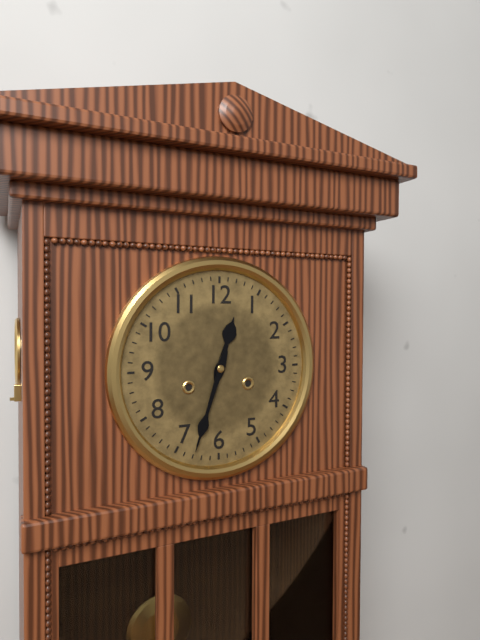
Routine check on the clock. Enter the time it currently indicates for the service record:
12:33
